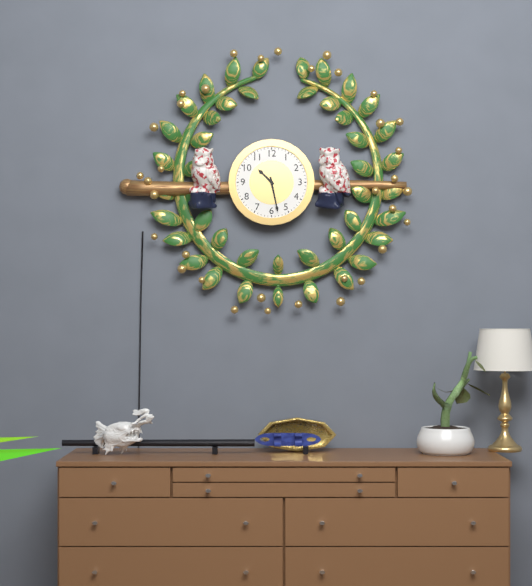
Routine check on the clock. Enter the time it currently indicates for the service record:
10:28
